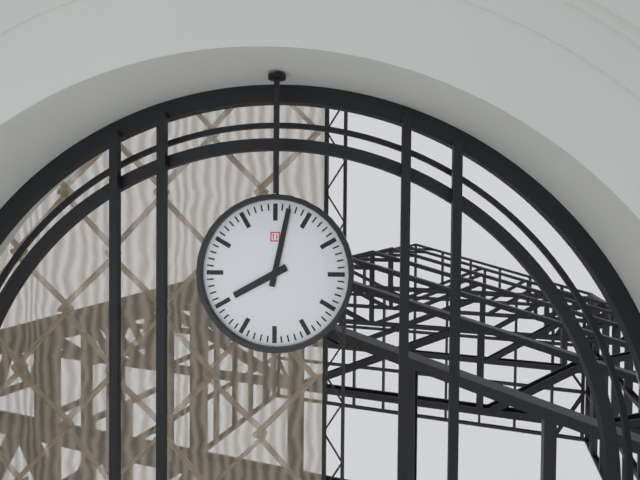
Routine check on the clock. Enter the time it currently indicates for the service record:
8:02
